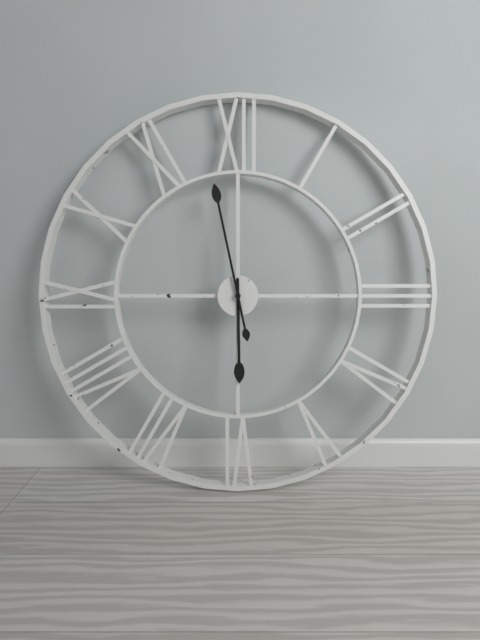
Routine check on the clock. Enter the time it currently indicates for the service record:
5:58
